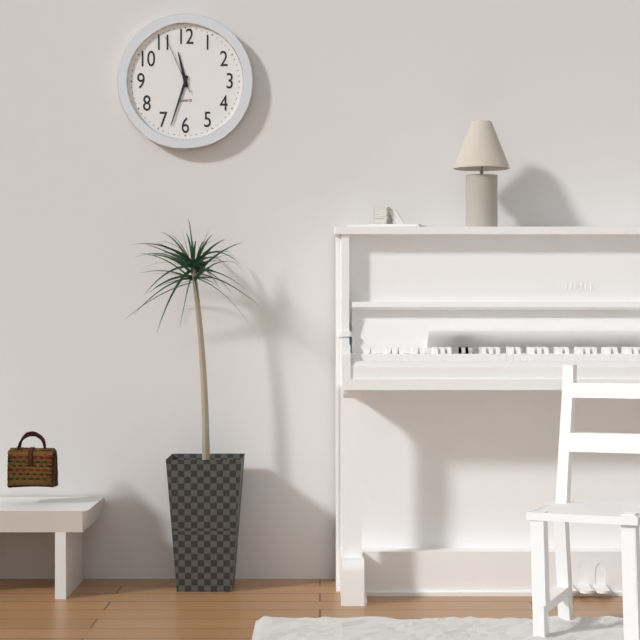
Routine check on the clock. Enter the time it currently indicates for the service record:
11:33:56
